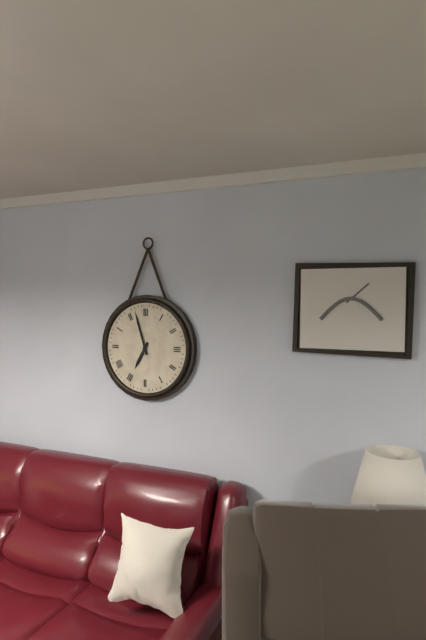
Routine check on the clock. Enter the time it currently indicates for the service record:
6:57
